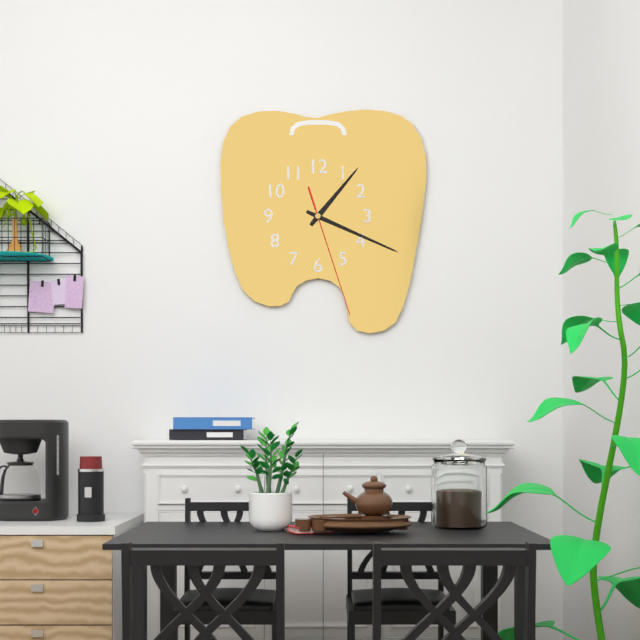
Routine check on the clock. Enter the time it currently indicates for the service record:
1:19:27
